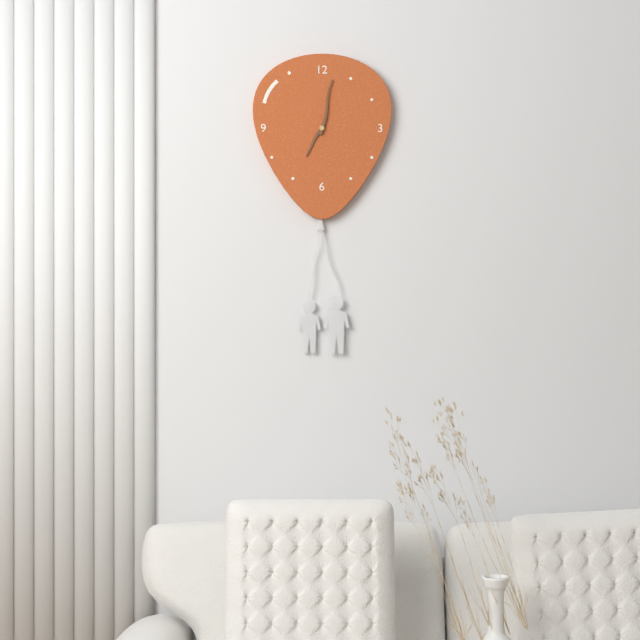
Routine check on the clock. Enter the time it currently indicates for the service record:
7:02
